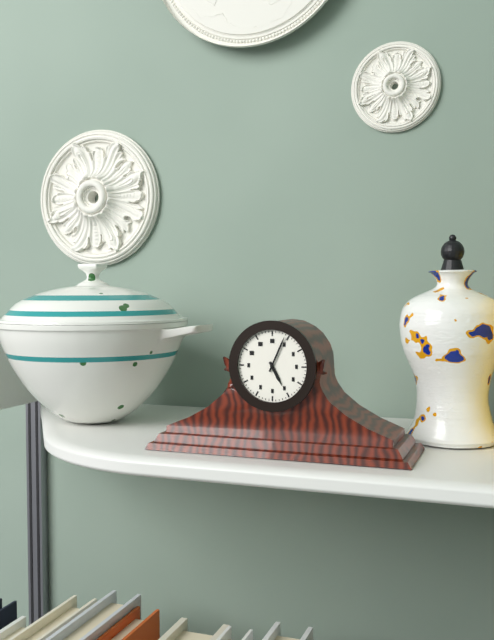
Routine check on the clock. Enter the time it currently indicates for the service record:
5:04
